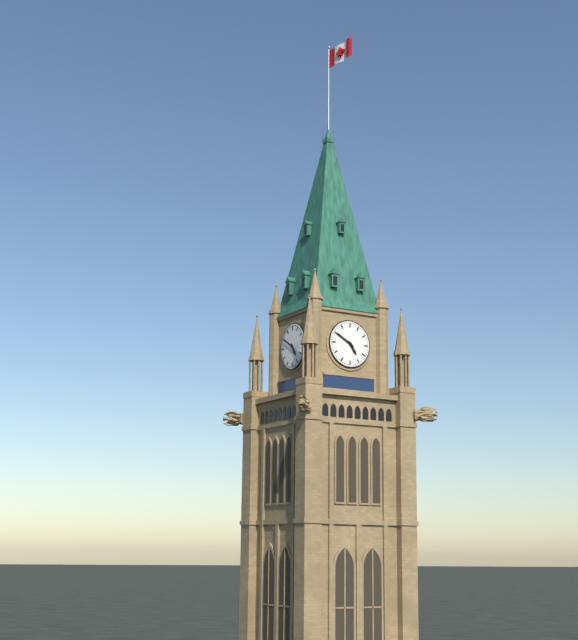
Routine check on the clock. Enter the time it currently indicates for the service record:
4:50
